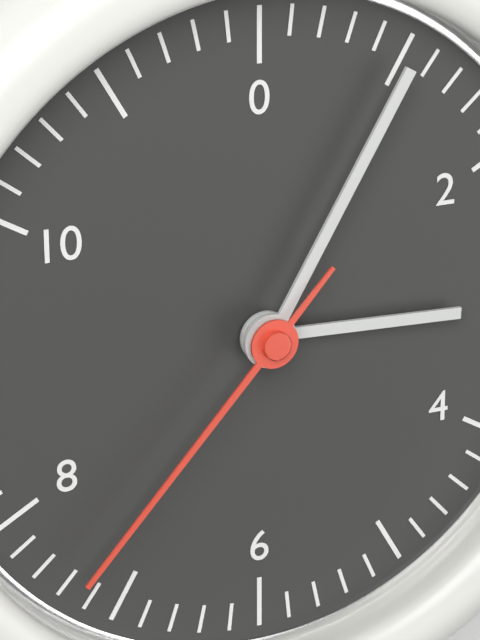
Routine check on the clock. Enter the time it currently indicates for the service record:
3:05:37
